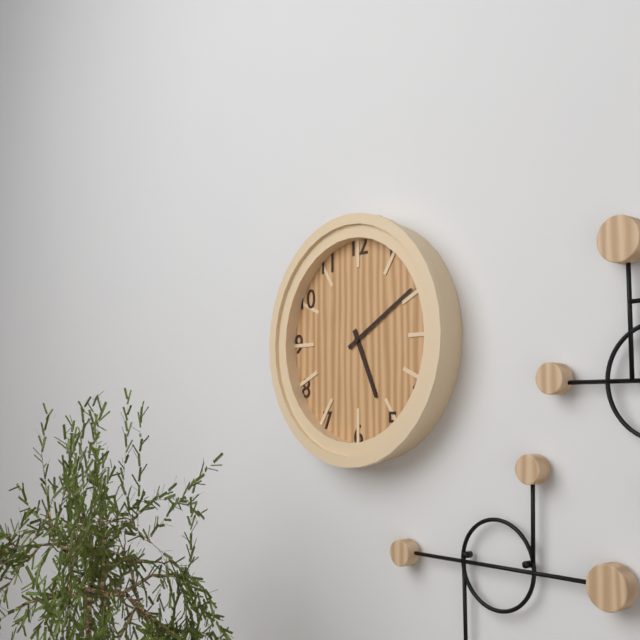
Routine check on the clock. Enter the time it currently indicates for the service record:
5:10
